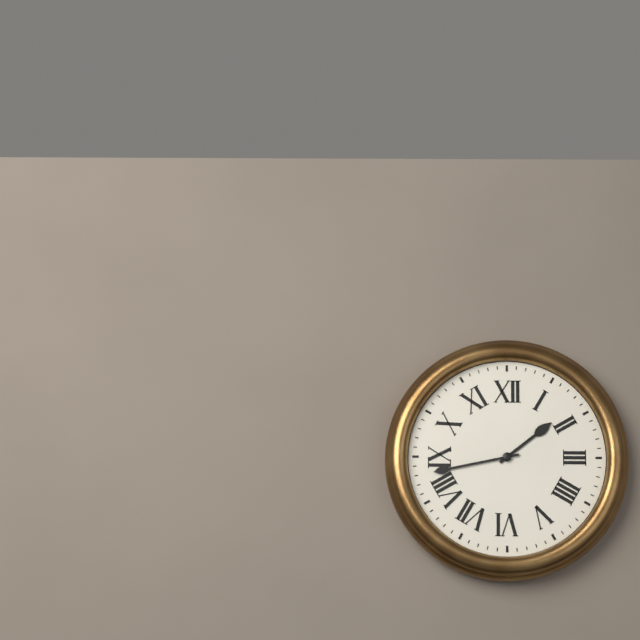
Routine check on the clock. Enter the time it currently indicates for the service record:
1:43
